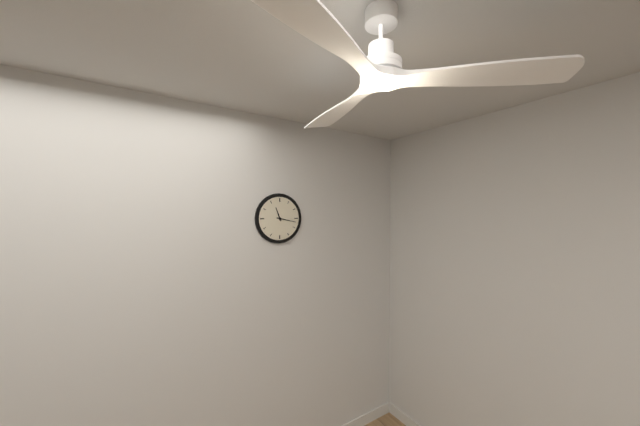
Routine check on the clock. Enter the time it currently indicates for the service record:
11:17
